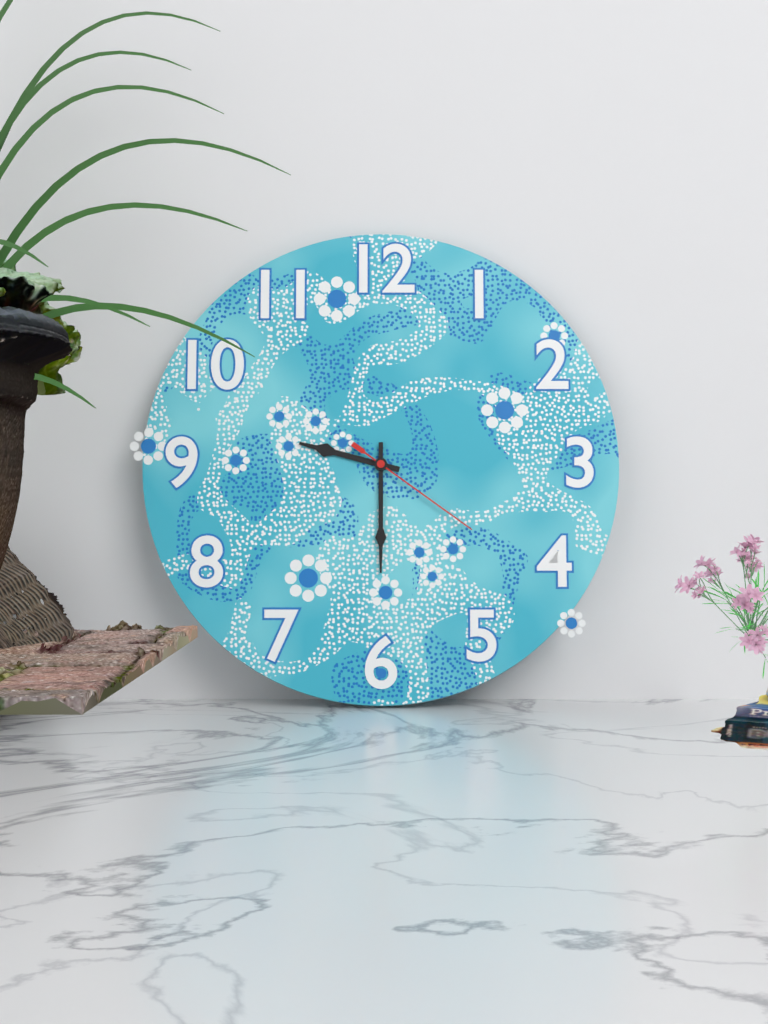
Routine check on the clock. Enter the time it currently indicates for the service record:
9:30:21
